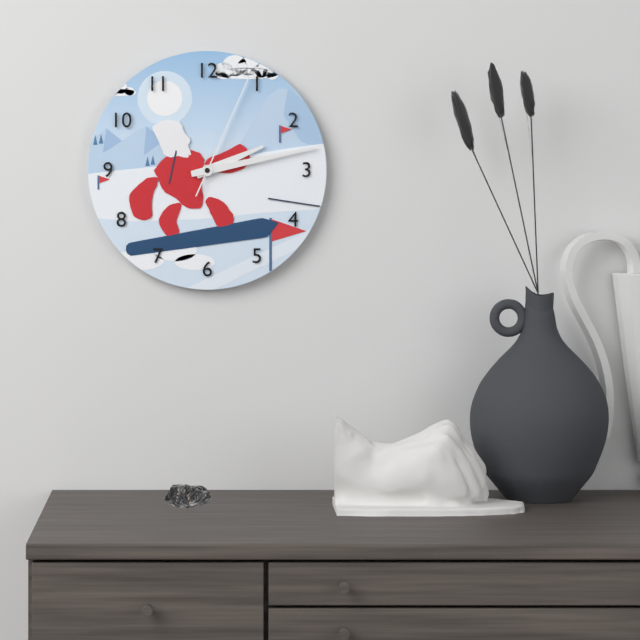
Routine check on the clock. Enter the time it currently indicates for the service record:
2:13:04
